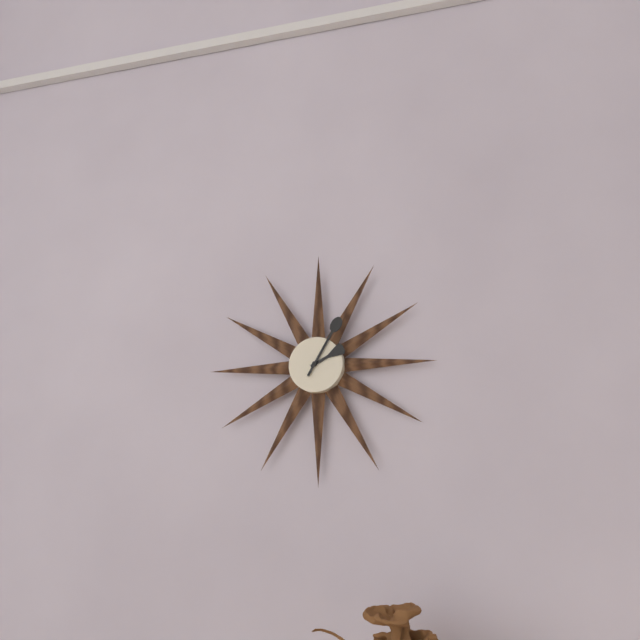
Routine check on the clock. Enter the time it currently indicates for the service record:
2:05
